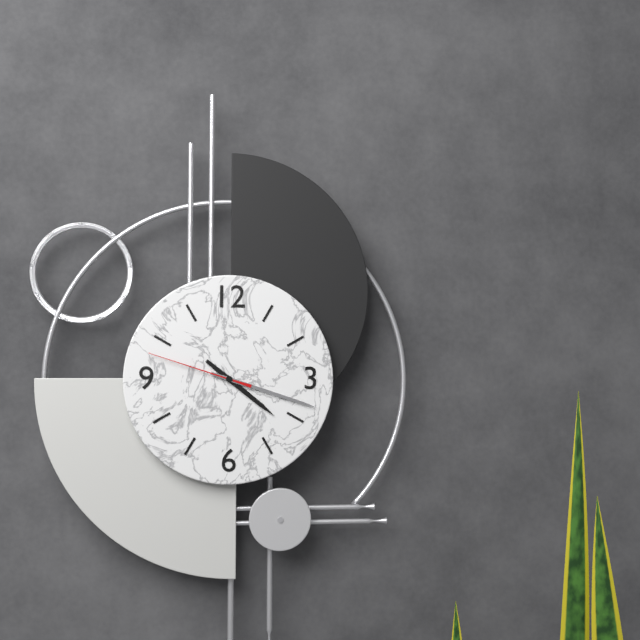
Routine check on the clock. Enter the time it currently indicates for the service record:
4:18:48
